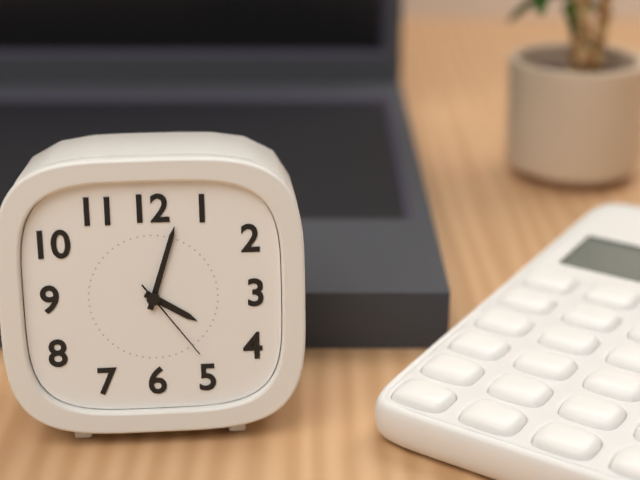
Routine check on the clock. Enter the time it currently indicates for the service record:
4:03:24
